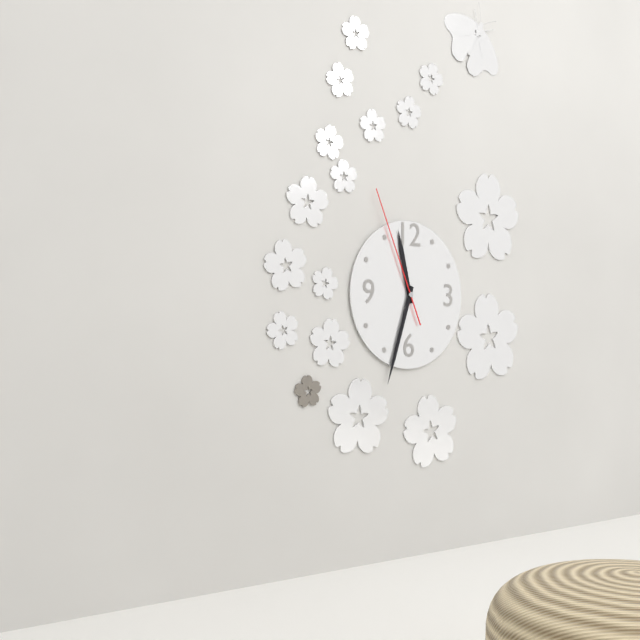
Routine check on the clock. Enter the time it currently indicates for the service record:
11:33:56
